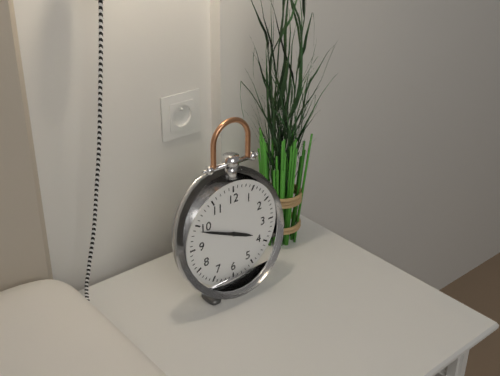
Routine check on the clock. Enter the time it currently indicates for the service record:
3:49
